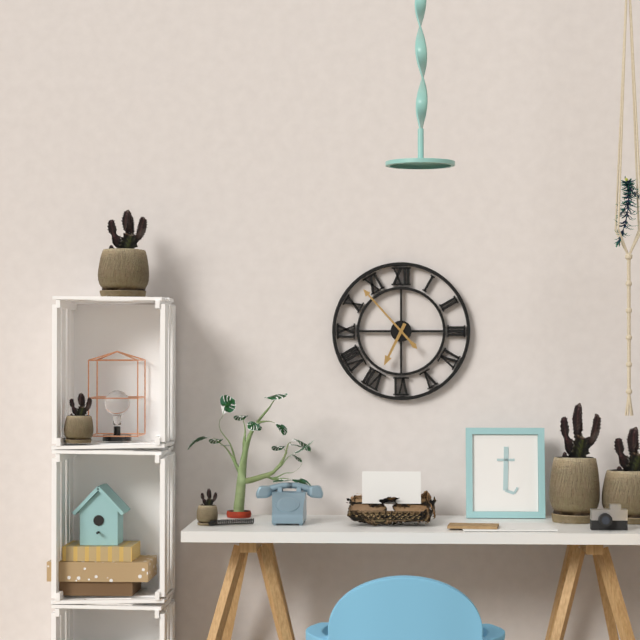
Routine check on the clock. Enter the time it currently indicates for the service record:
6:53
